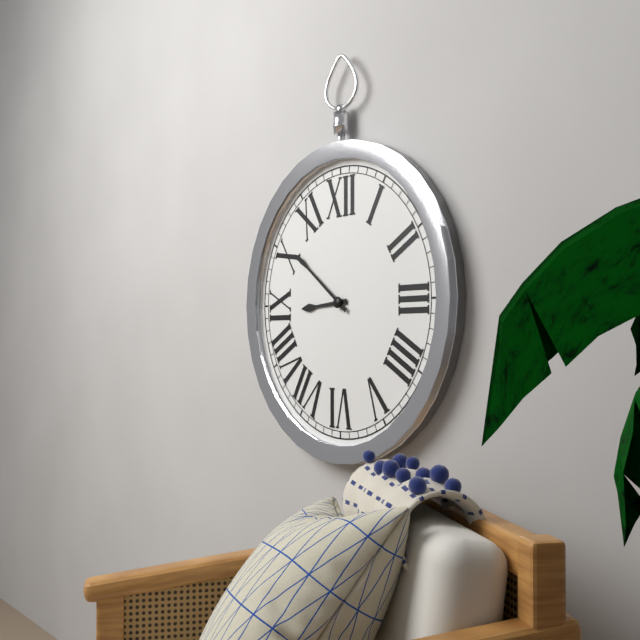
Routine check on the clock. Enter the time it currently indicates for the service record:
8:51
